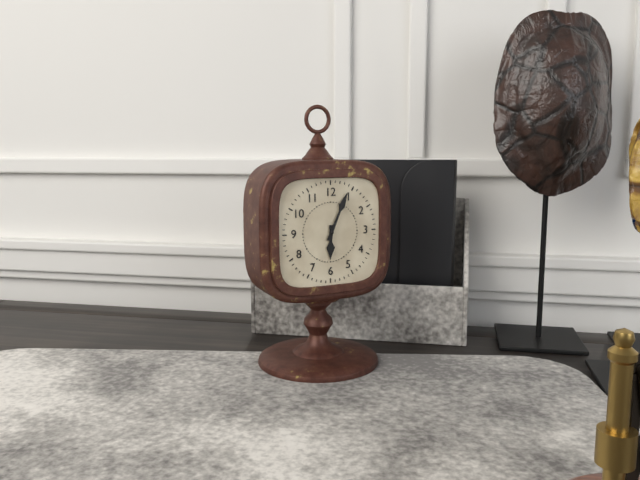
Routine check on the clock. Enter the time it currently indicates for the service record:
6:04
